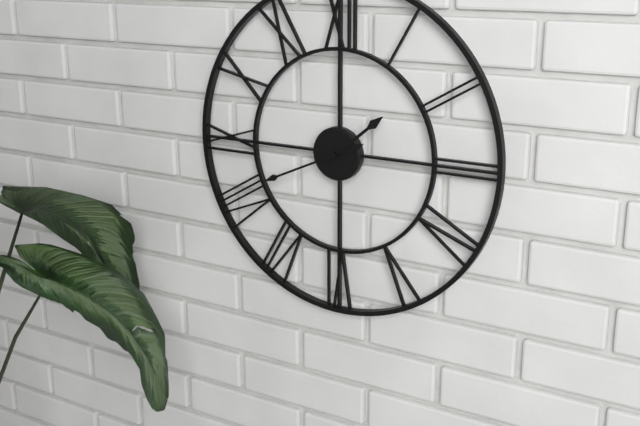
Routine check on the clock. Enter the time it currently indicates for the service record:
1:41
